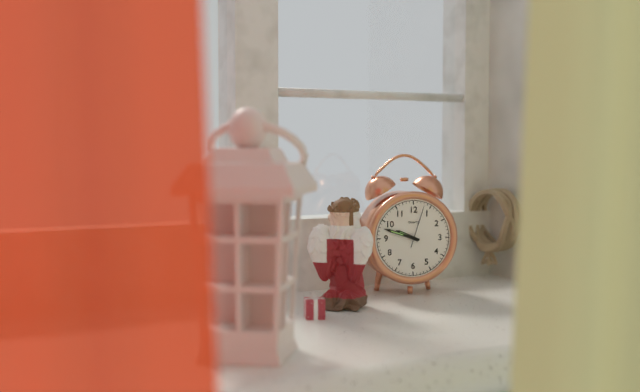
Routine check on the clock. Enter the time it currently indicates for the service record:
9:48
